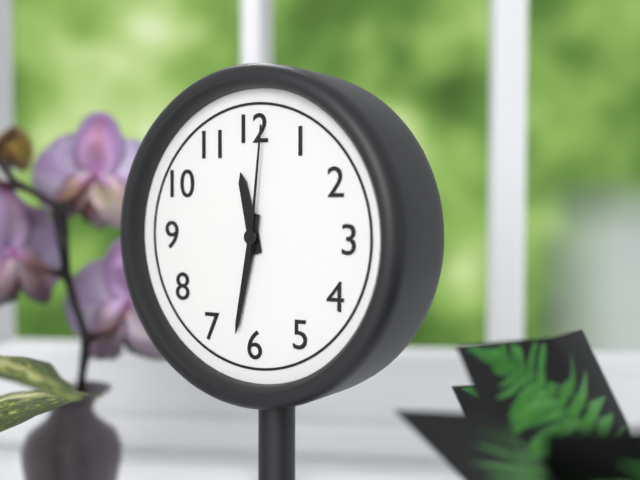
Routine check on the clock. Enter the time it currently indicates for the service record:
11:32:01
